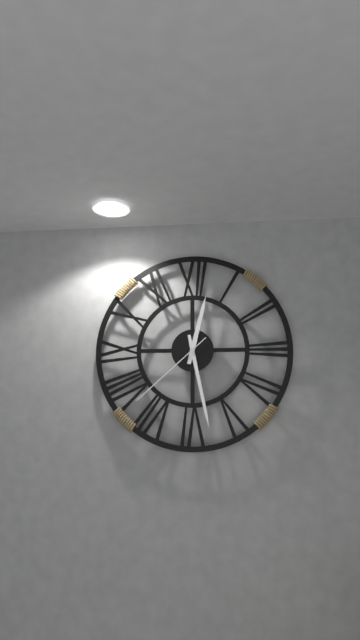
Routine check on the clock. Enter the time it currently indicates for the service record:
12:28:38
